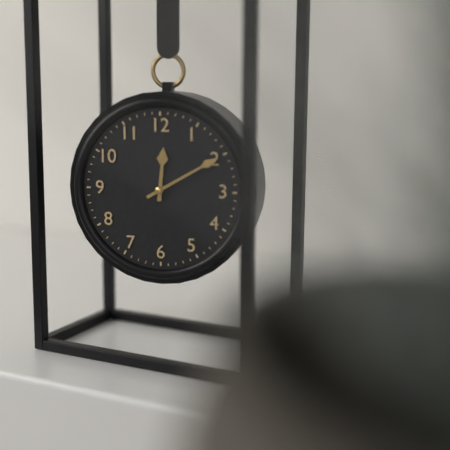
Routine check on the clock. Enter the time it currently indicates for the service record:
12:10
